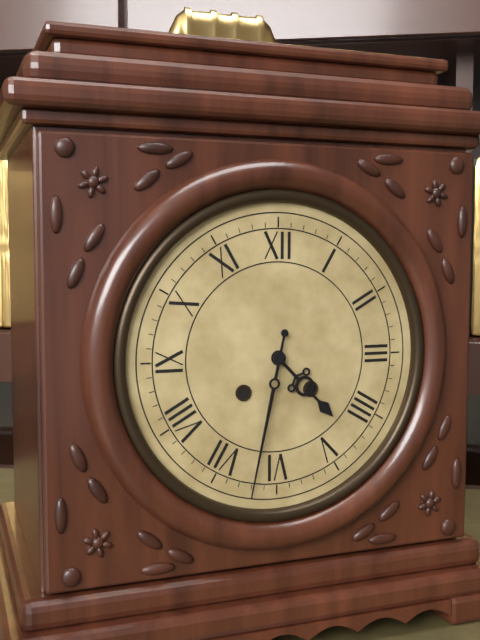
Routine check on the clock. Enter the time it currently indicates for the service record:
4:32
